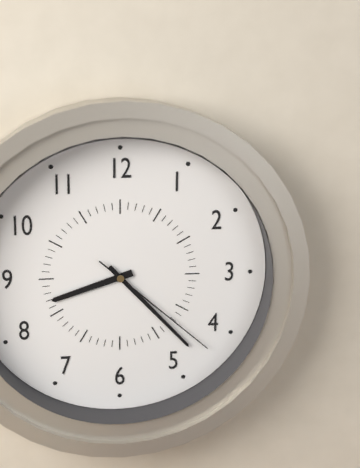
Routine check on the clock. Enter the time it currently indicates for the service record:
8:23:22
